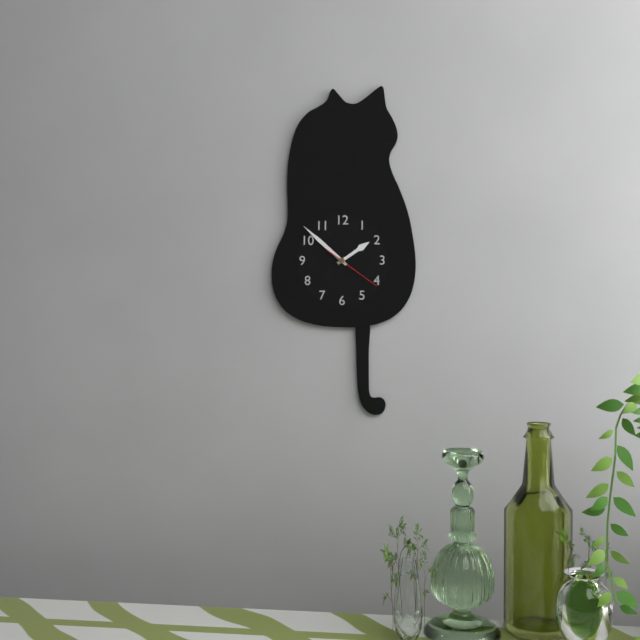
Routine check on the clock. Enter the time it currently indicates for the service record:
1:52:21
